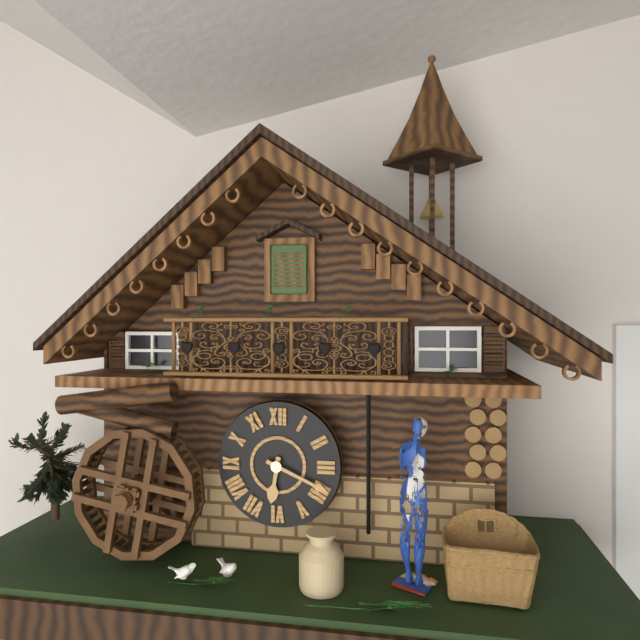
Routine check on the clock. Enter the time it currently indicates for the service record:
6:19
